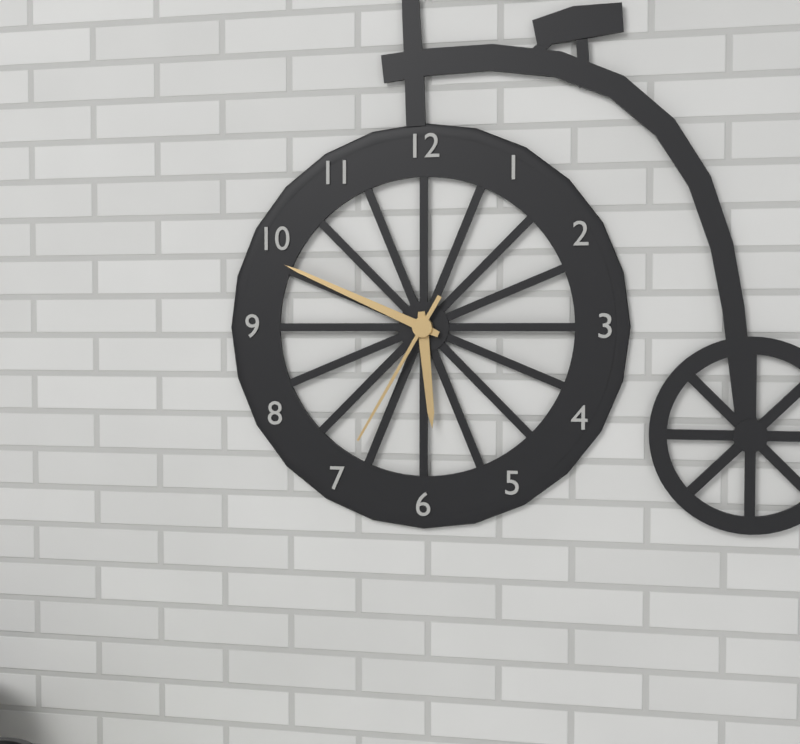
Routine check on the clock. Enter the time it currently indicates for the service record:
5:49:35
